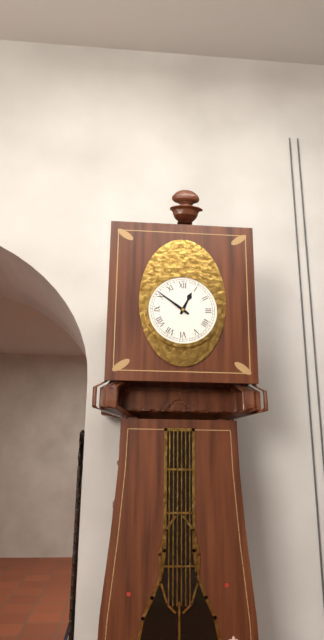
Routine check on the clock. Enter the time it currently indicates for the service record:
12:51
